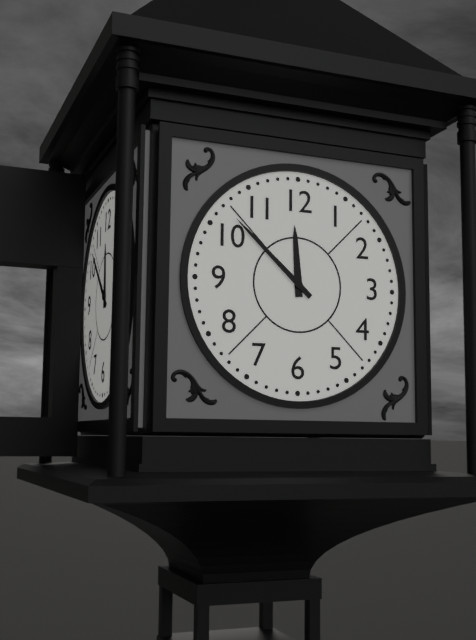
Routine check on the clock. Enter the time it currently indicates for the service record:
11:52
